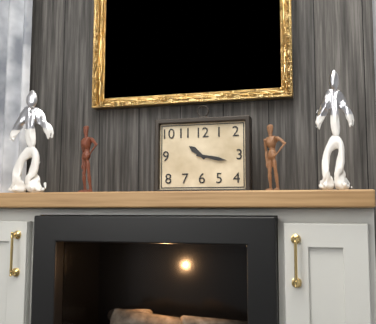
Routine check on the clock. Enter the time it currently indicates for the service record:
10:17
